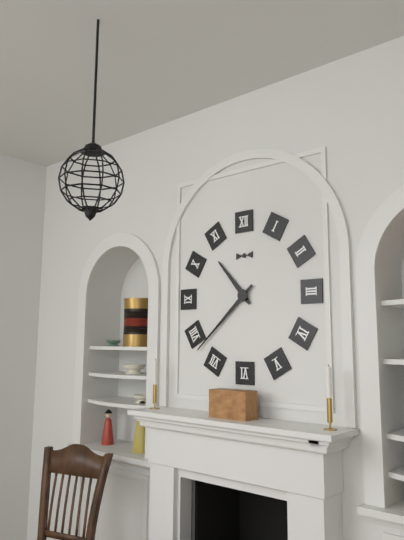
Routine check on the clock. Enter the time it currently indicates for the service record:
10:38
